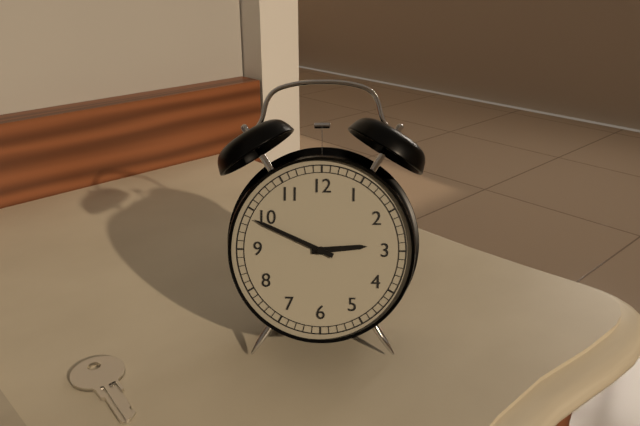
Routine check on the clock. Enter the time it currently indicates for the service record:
2:49
